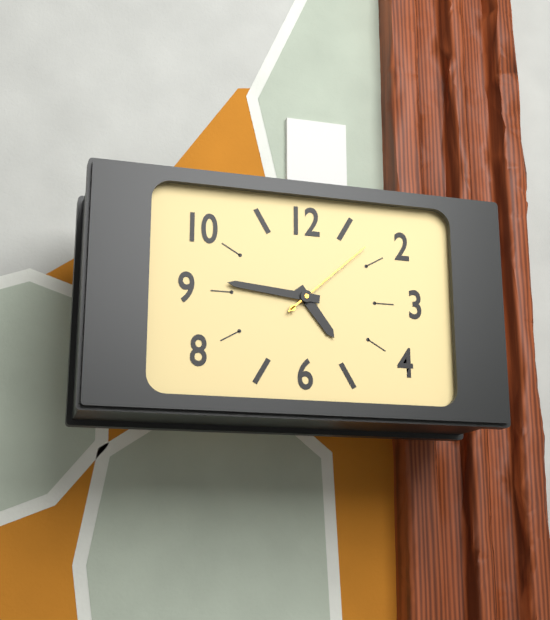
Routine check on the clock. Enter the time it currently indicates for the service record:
4:46:08
